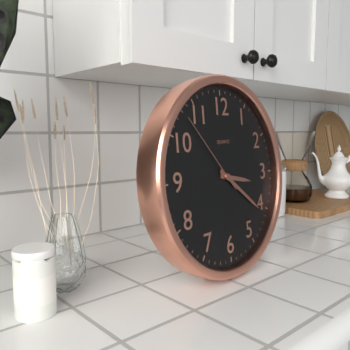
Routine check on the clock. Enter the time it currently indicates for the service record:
3:21:53
